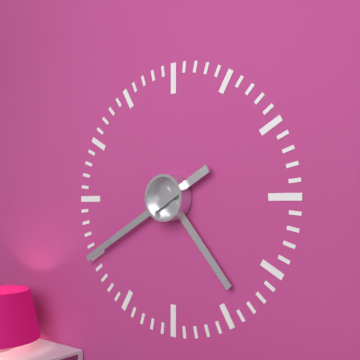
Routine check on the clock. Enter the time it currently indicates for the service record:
4:40
